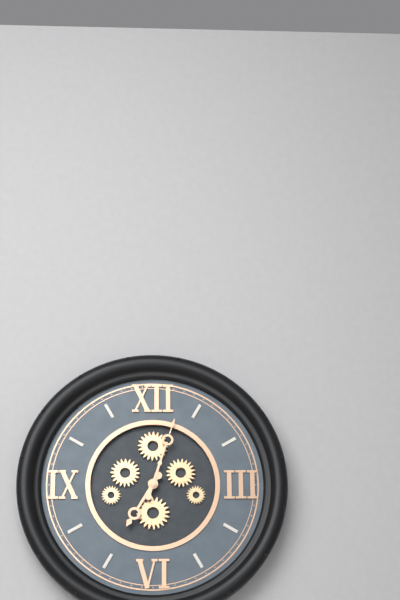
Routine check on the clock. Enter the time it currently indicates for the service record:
7:03
